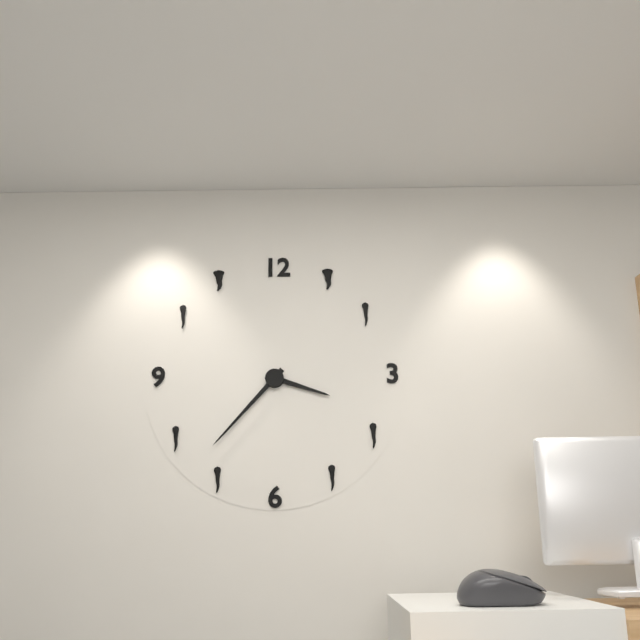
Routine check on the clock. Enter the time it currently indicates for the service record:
3:37
